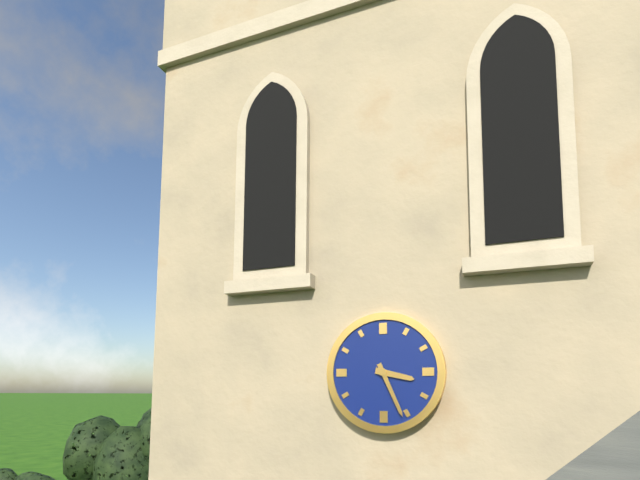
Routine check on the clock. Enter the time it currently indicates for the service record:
3:26
